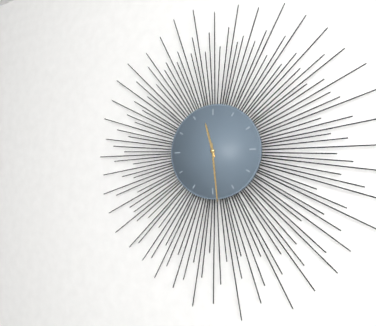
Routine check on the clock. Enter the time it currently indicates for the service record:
11:29
